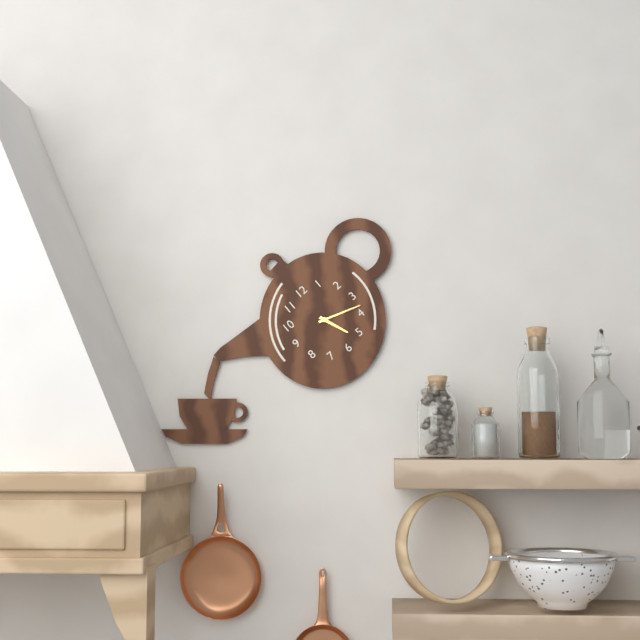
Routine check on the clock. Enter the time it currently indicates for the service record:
5:18
